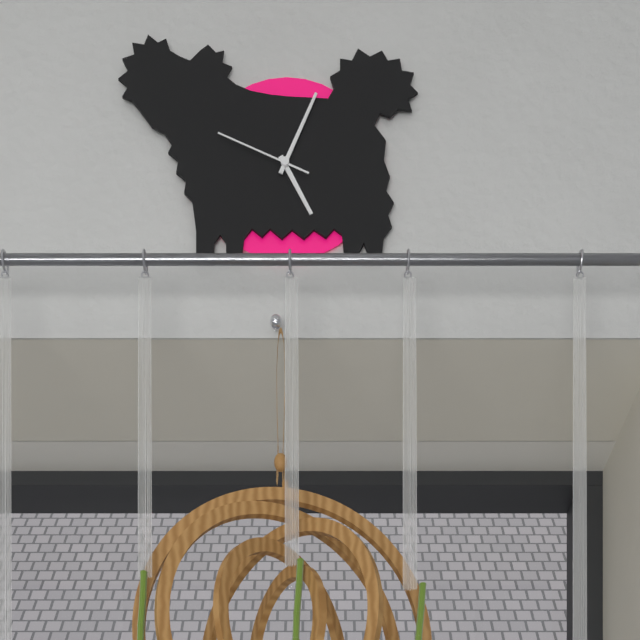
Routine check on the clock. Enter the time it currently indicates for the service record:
5:04:49
